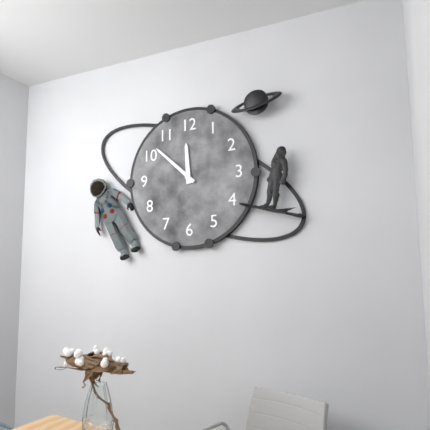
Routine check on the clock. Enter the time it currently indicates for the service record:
11:52
